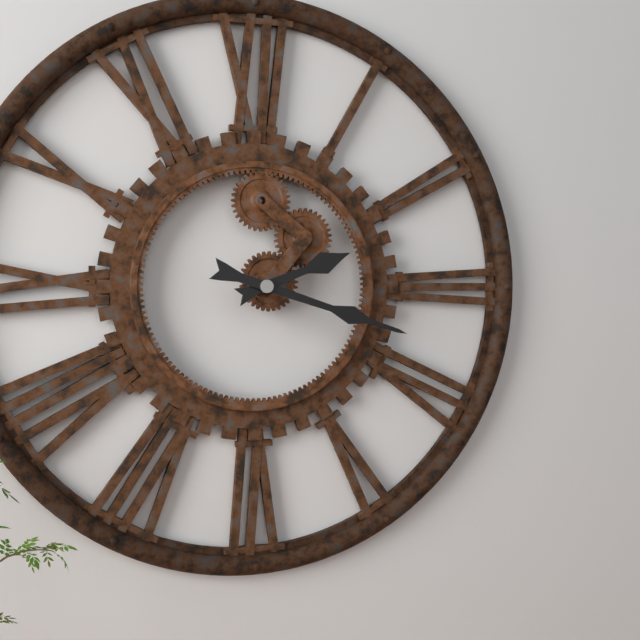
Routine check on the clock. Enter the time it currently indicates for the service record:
2:18
